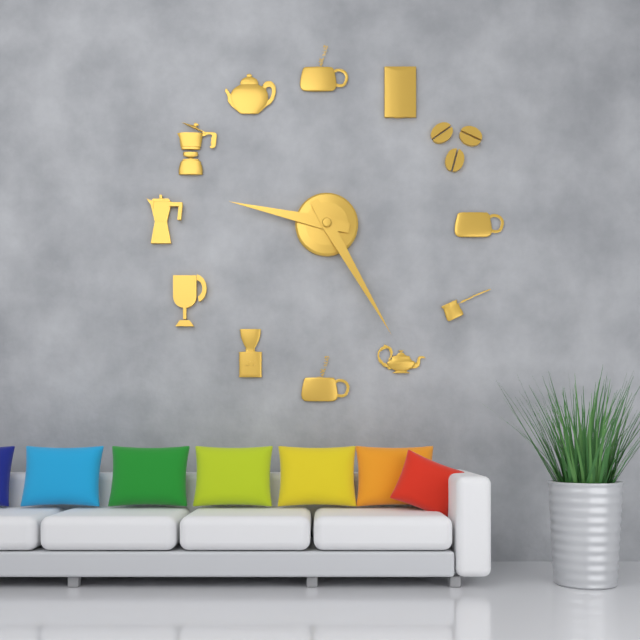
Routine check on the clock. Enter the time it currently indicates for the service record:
9:25
